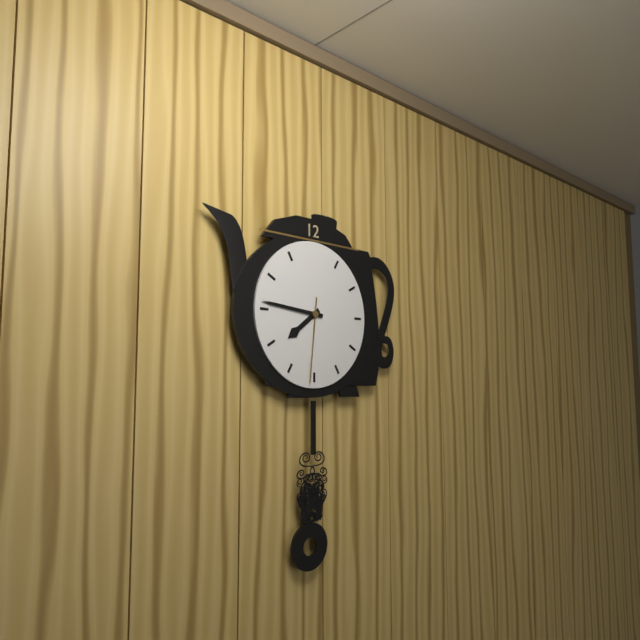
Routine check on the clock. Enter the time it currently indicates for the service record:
7:46:31
